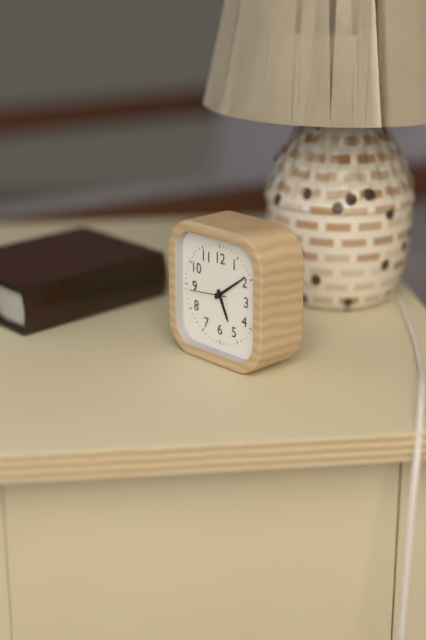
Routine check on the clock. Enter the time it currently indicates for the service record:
5:09
